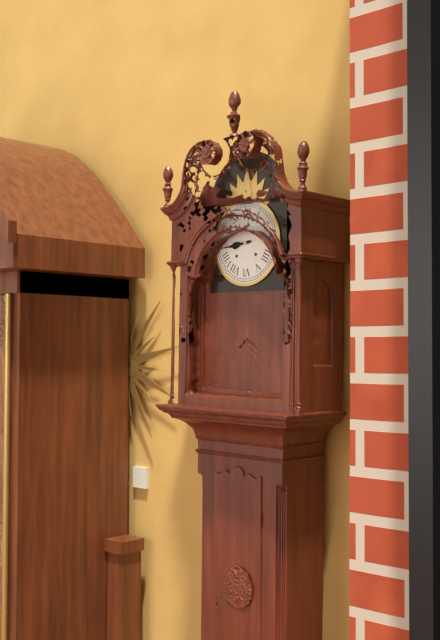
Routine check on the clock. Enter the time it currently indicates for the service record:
8:44
